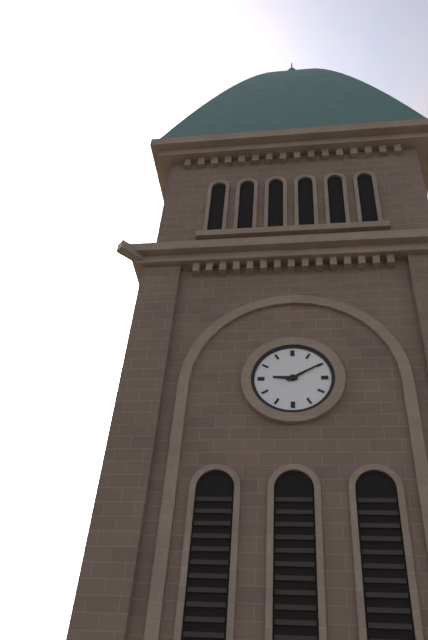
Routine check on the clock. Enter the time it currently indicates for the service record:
9:10
